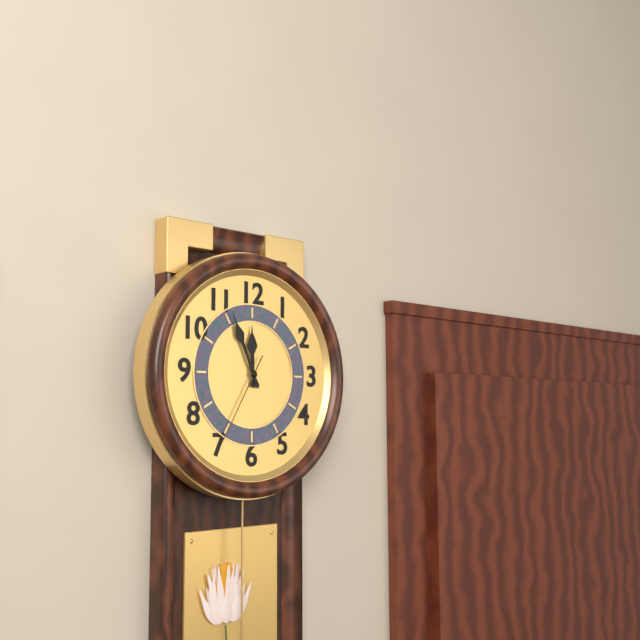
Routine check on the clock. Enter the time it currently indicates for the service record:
11:56:35
